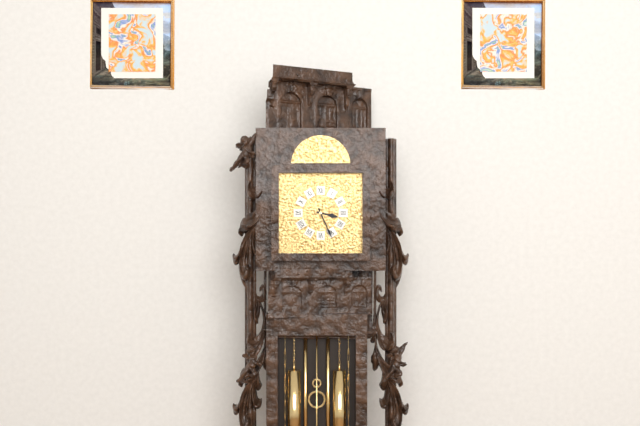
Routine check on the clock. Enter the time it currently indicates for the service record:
3:26
